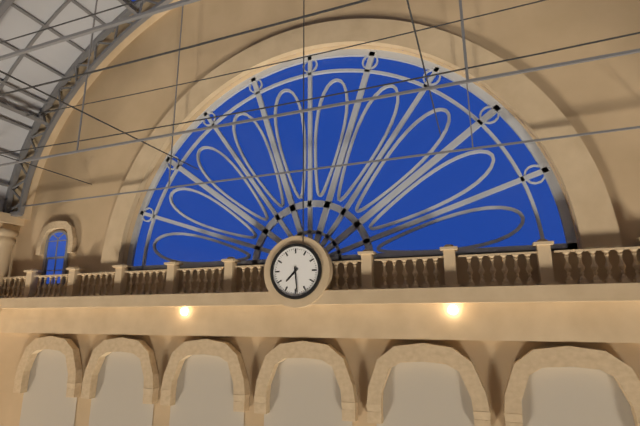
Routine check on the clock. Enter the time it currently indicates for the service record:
7:29
